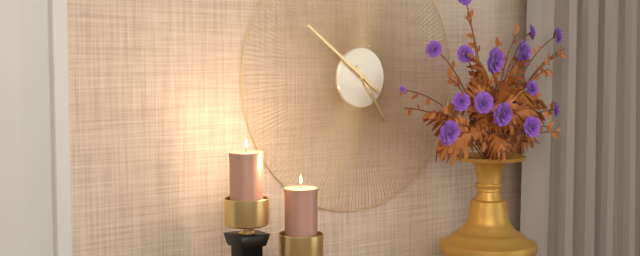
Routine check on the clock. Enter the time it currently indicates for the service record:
4:51
